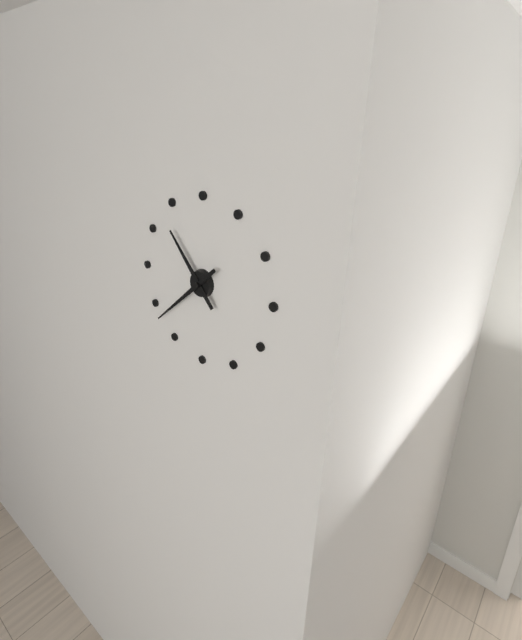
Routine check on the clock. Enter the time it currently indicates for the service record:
10:38
